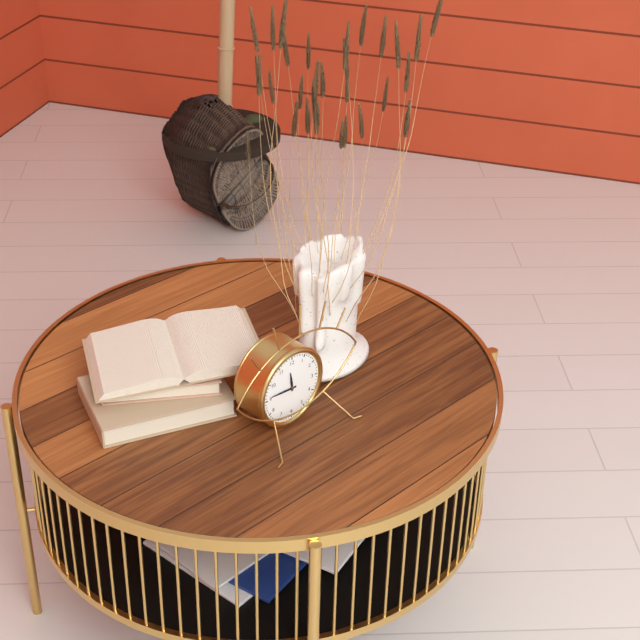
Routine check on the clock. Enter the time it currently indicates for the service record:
11:46
